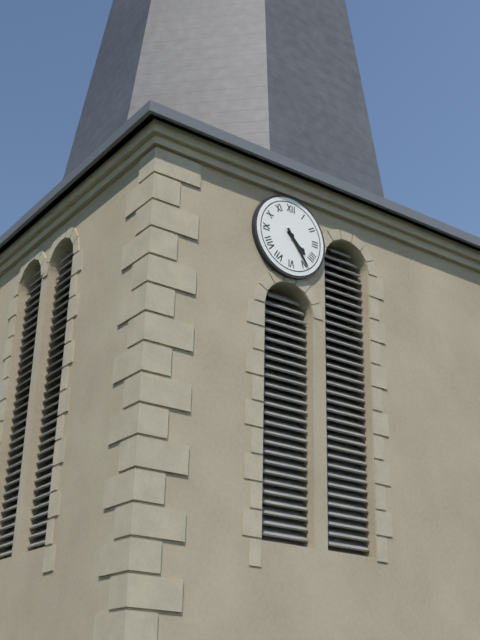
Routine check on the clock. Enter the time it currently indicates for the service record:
4:24
